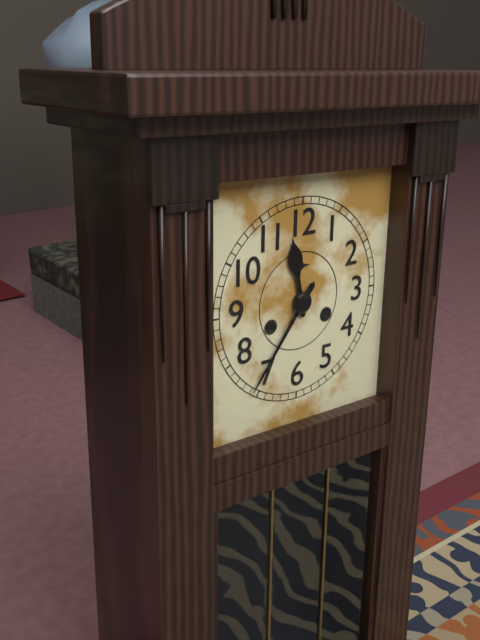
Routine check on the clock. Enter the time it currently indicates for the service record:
11:36
